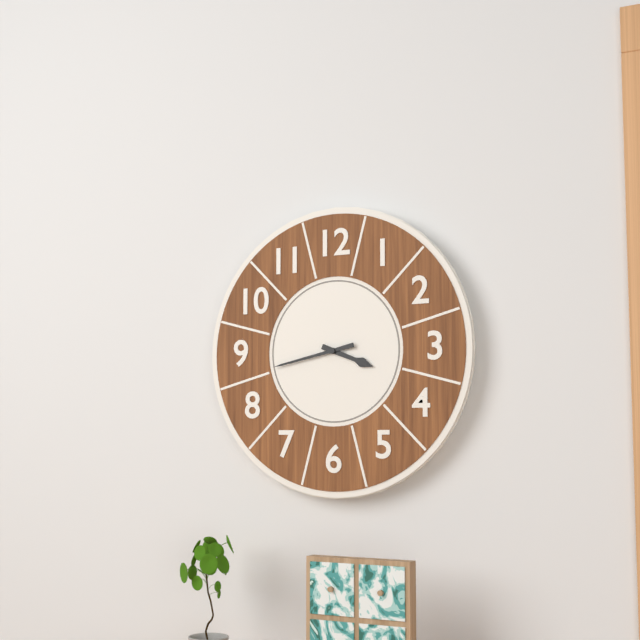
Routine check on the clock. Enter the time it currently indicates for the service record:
3:43
